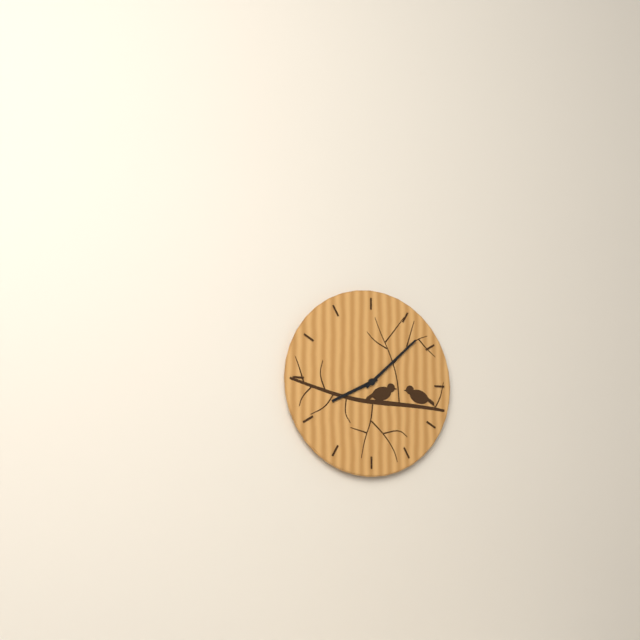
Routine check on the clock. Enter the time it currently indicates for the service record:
8:08
